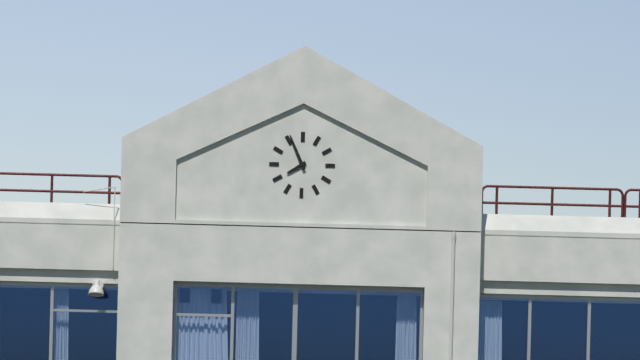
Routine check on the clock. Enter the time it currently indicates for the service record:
7:56
